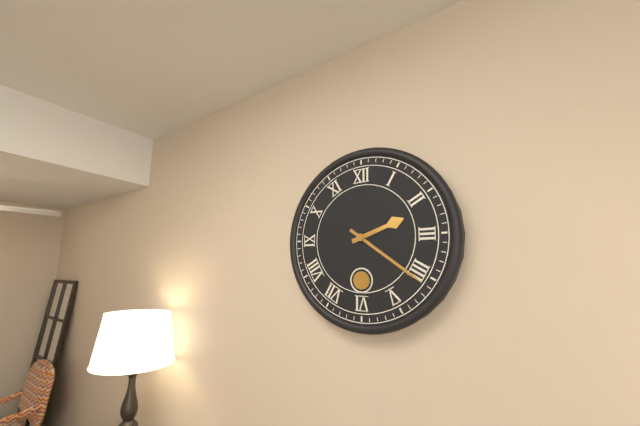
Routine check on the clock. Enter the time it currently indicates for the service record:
2:21
